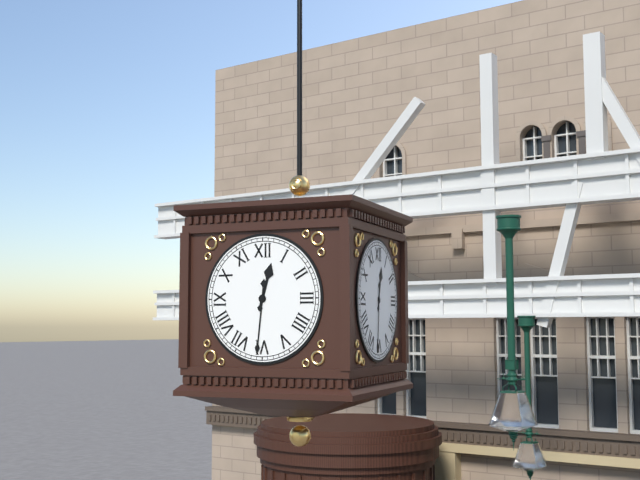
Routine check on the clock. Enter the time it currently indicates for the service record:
12:31
